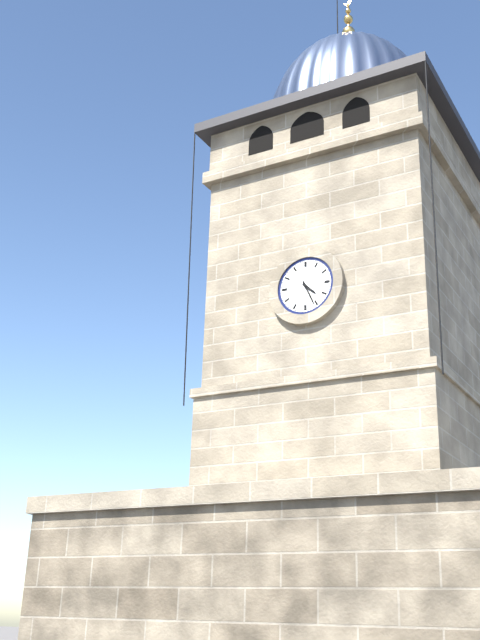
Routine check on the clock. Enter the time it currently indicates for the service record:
4:26
